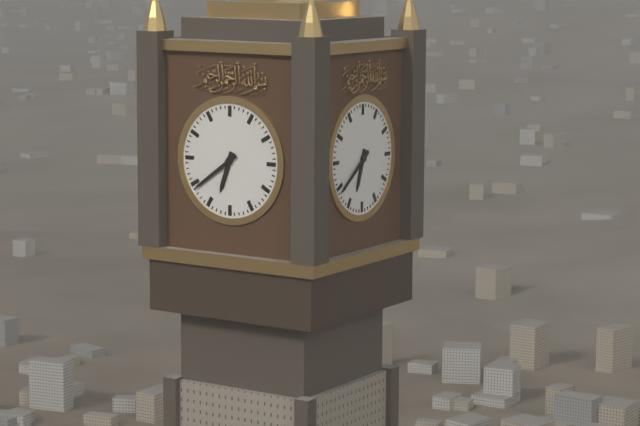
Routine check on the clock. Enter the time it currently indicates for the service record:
6:39
